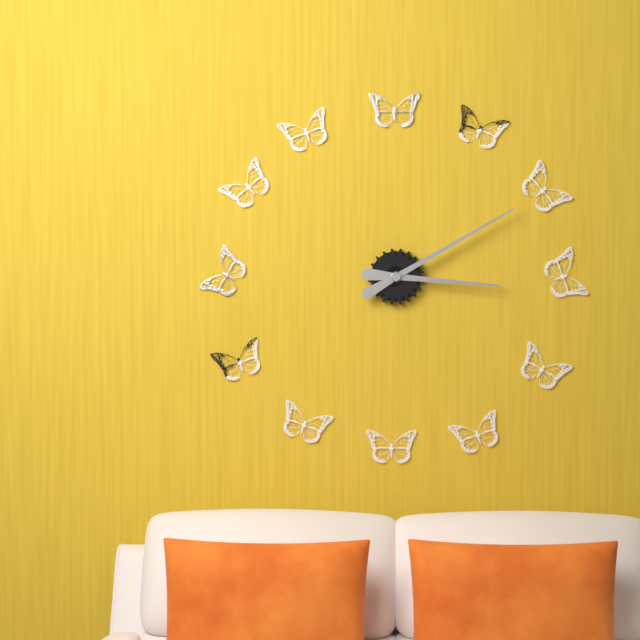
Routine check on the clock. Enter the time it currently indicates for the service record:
3:10
